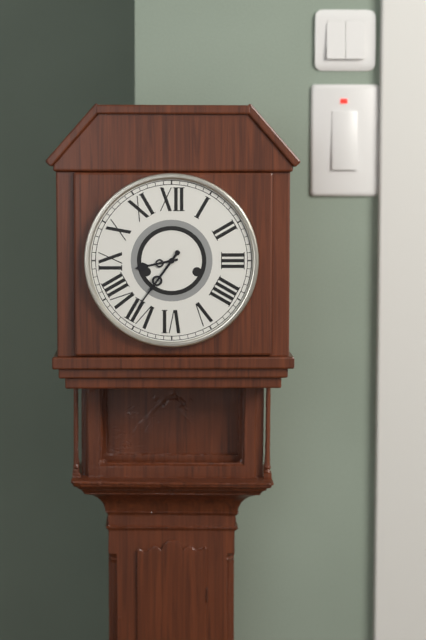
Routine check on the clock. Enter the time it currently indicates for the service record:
8:36
